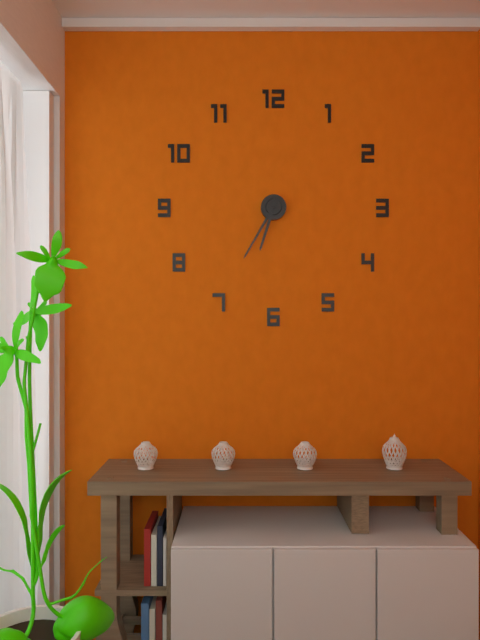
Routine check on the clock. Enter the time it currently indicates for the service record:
6:35
